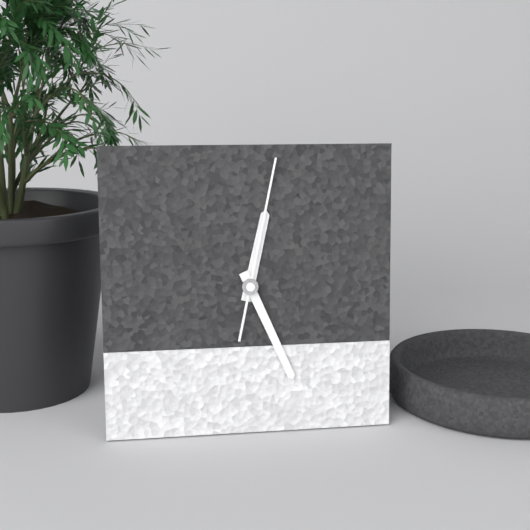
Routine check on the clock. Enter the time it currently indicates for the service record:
12:26:02
